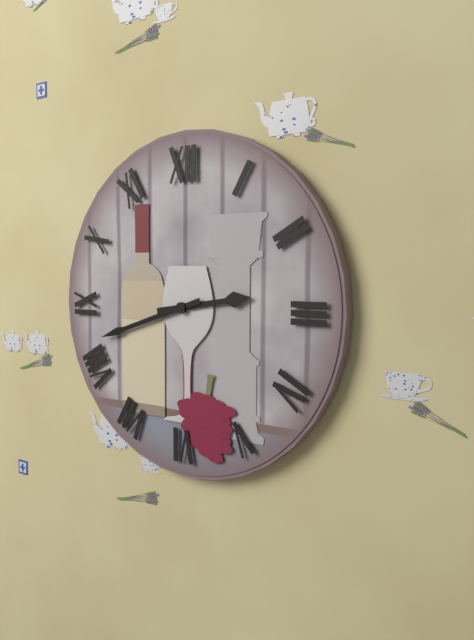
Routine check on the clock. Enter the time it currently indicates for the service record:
2:42
